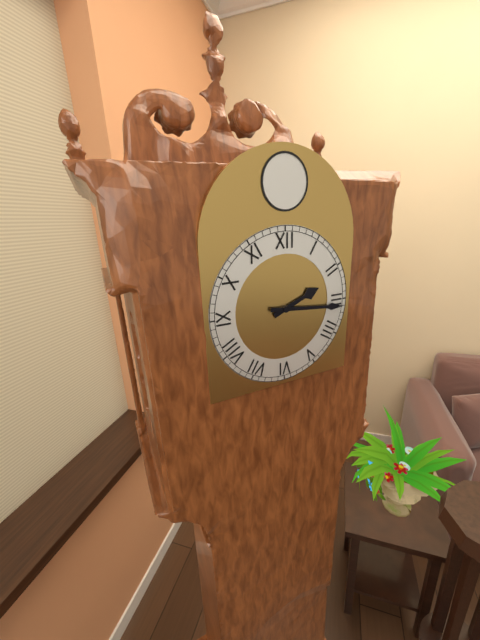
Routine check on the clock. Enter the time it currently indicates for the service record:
2:16
